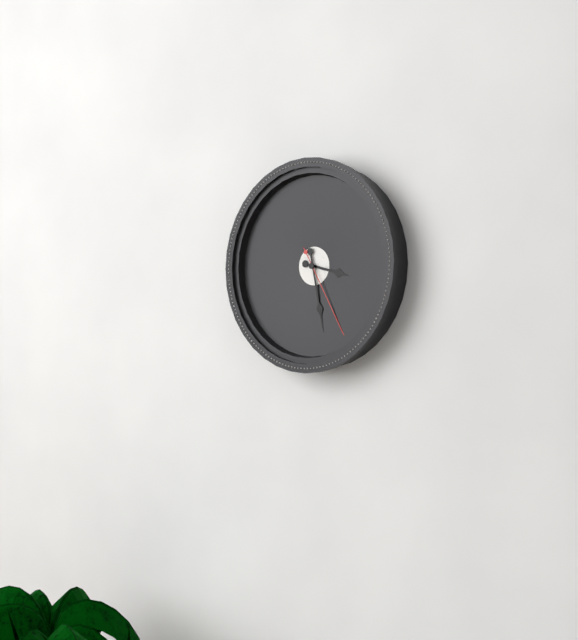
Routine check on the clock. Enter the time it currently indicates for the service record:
3:28:25
